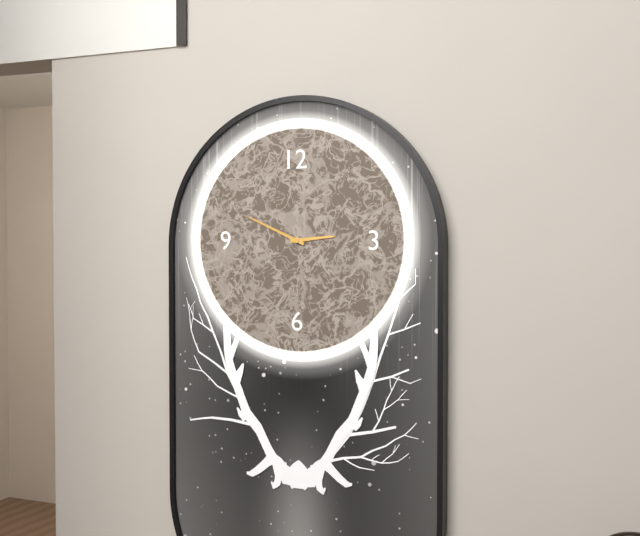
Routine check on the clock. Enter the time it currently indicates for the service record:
2:49
